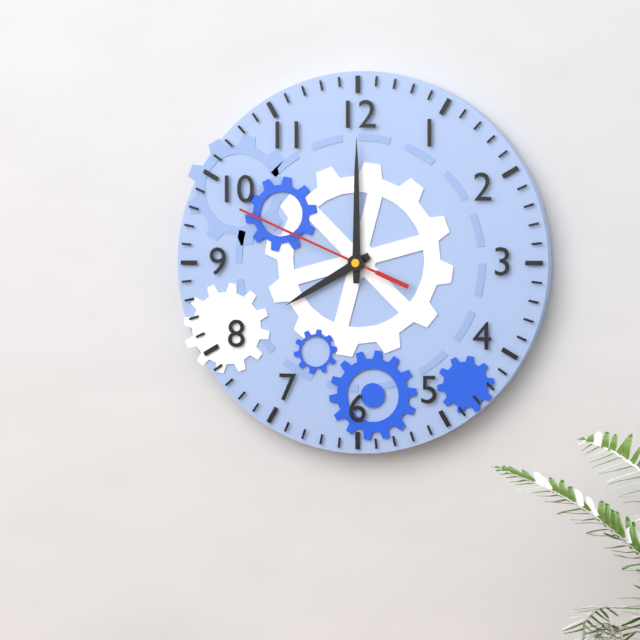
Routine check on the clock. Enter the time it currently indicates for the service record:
8:00:49
